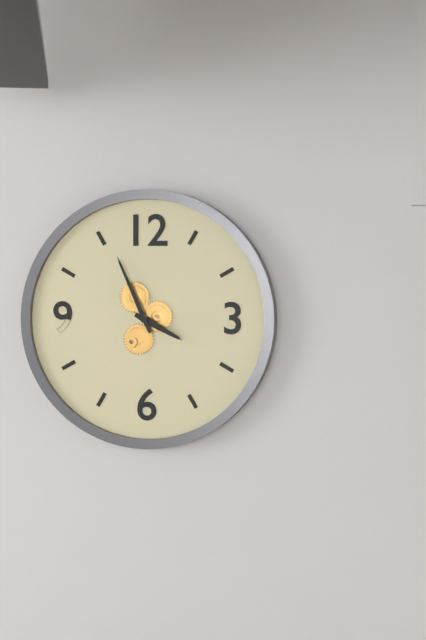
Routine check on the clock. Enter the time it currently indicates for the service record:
3:56
